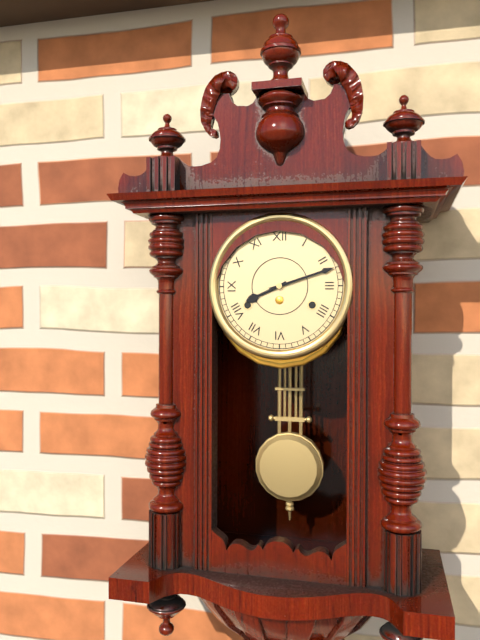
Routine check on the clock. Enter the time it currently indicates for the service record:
8:12
